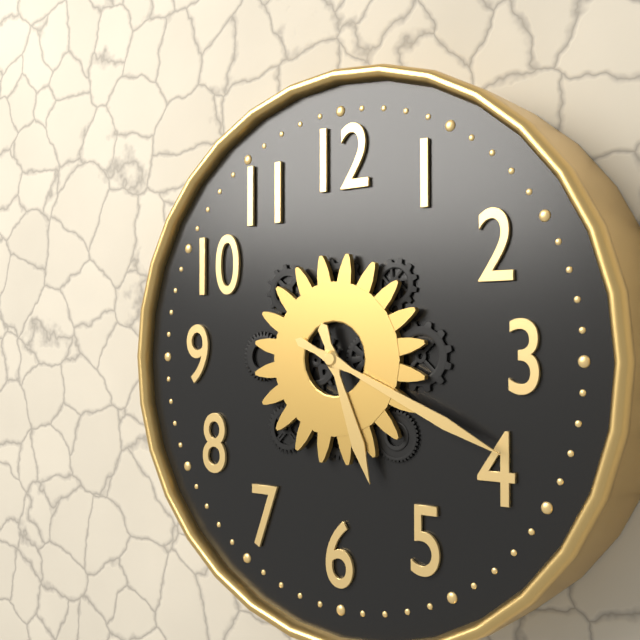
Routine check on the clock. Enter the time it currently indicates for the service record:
5:19
